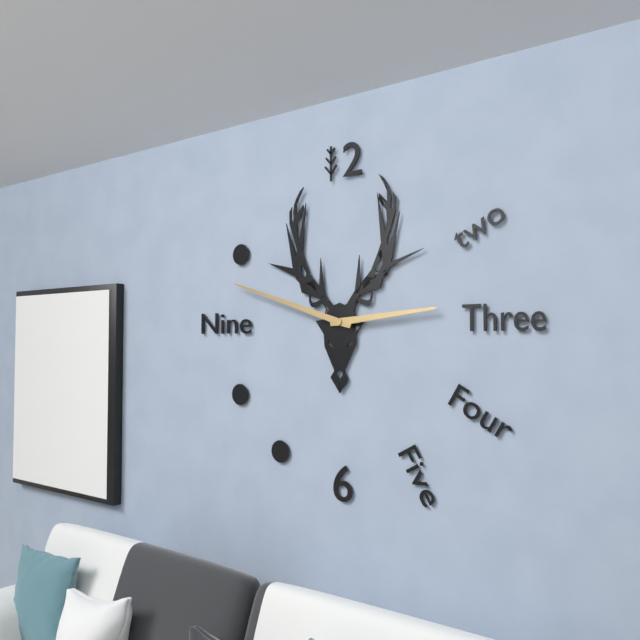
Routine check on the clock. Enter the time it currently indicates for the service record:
2:48
